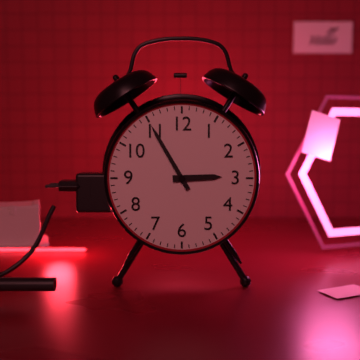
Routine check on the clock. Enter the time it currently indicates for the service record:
2:55
